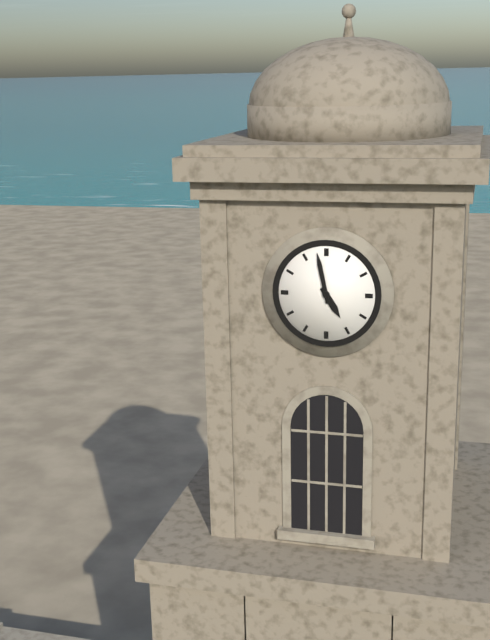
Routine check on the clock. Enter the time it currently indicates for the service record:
4:58
